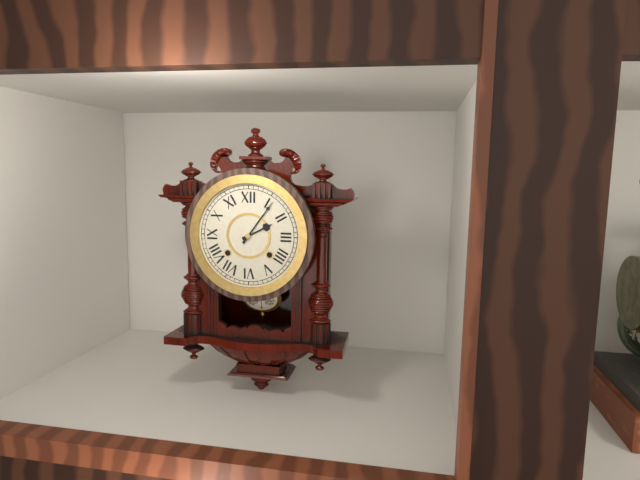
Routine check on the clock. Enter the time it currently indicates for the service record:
2:06
